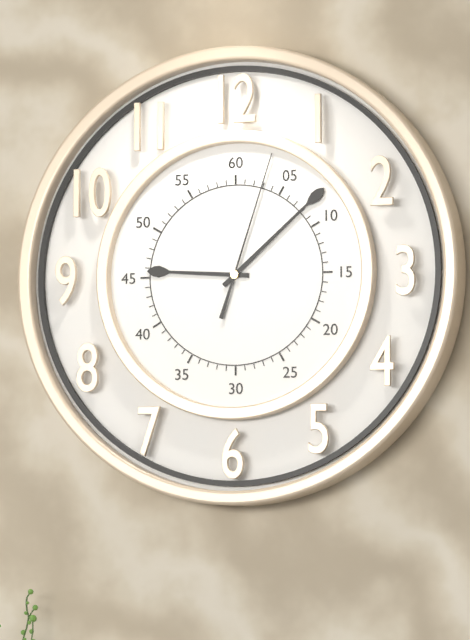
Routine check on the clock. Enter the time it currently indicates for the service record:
9:08:03
